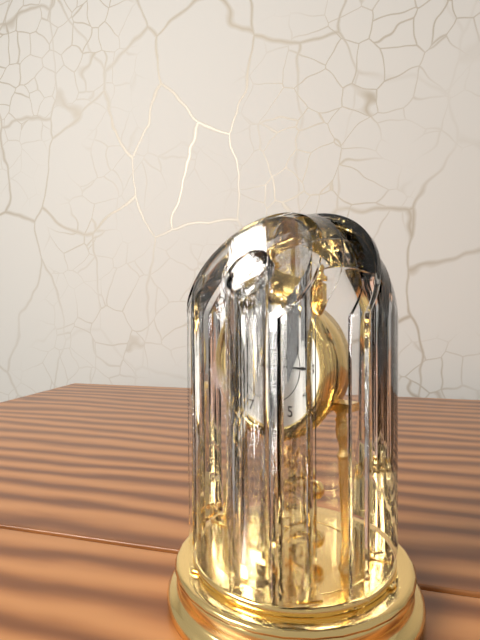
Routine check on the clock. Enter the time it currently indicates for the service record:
2:15
